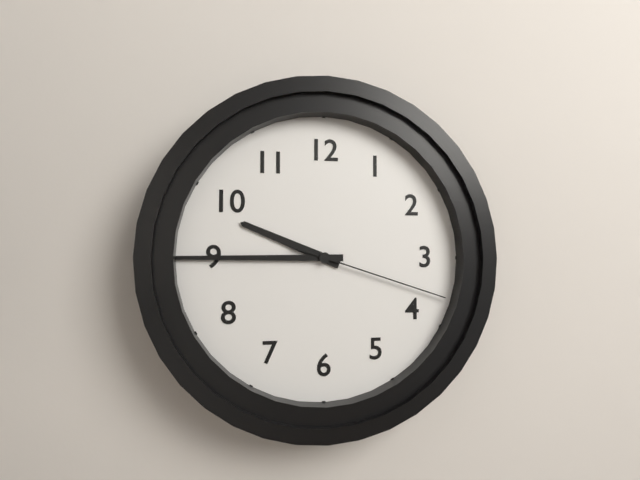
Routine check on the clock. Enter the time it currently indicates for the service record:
9:45:18
